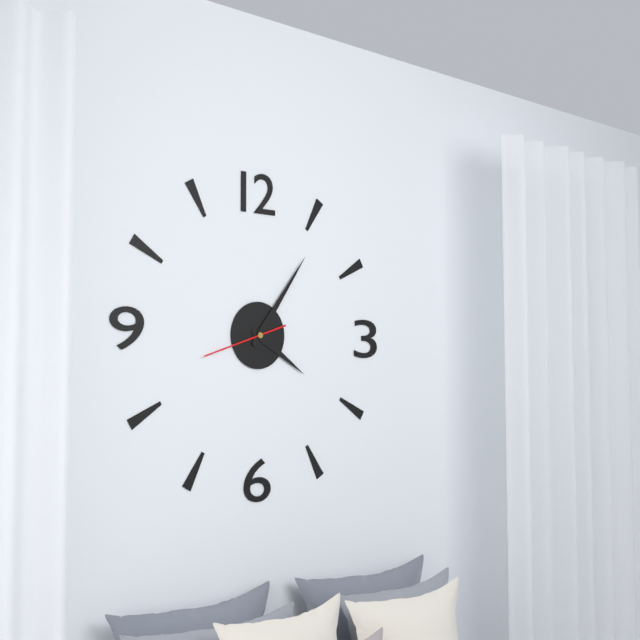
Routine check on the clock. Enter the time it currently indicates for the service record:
4:06:42
